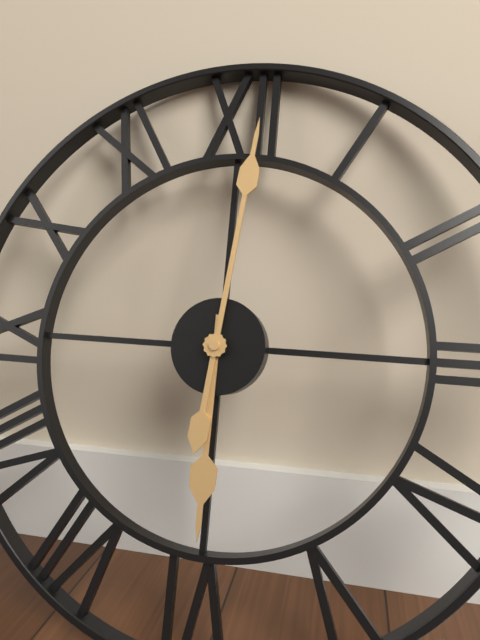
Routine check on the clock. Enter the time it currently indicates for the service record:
6:01
